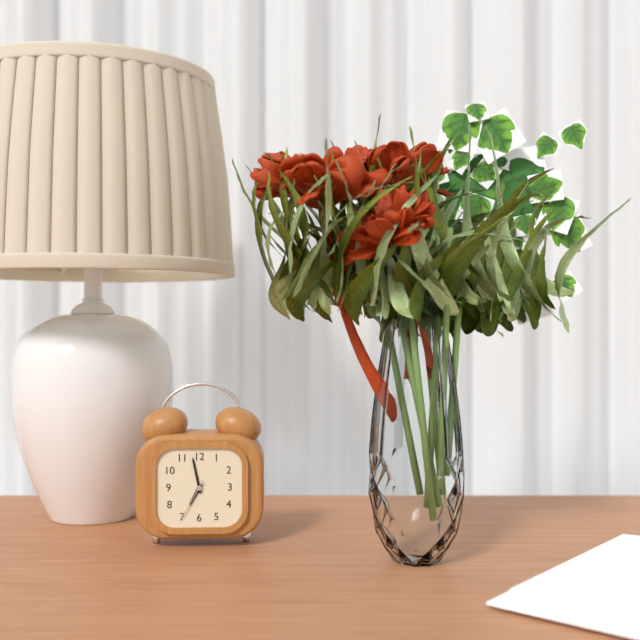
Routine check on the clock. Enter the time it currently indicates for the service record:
6:58
